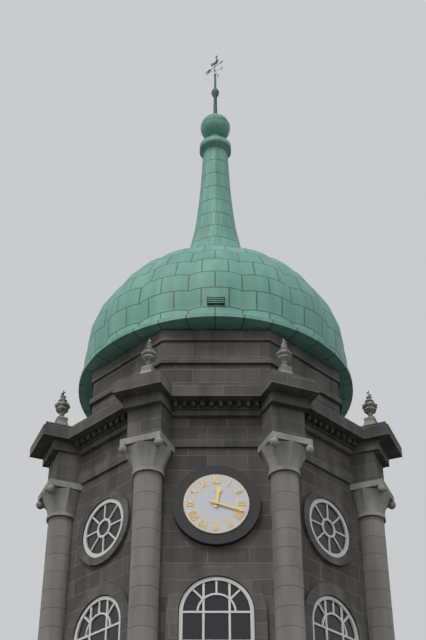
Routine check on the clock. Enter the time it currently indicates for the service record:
12:18
